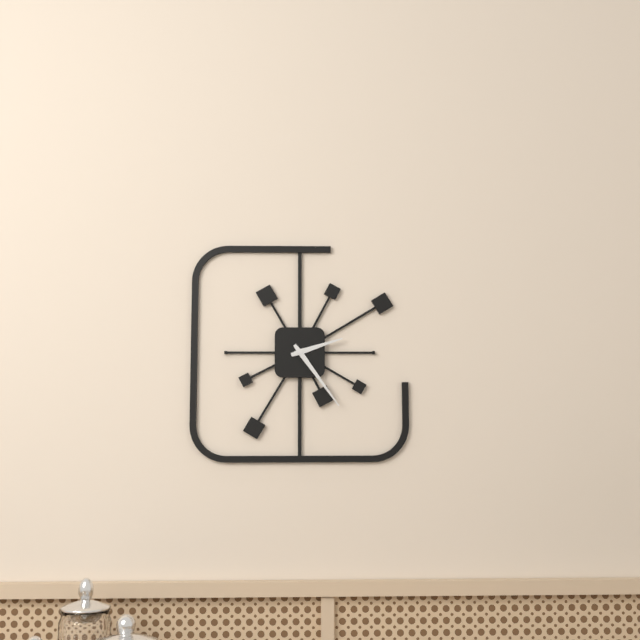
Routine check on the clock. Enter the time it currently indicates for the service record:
2:24
